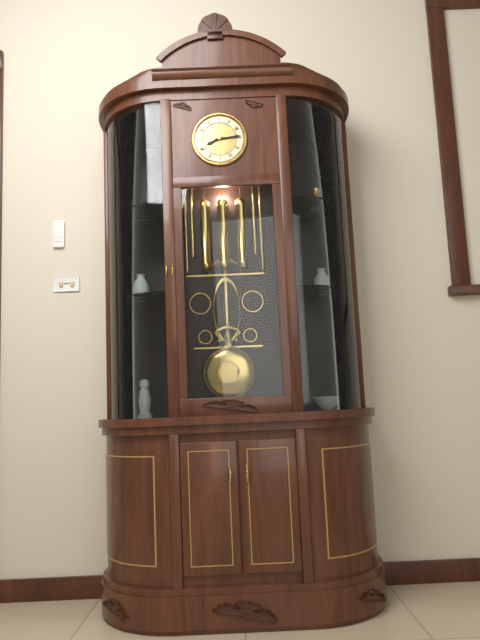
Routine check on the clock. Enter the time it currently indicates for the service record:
8:14
